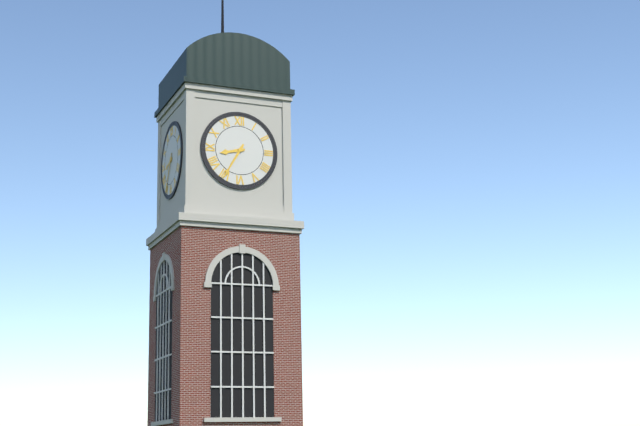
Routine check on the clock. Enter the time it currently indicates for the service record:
8:35
